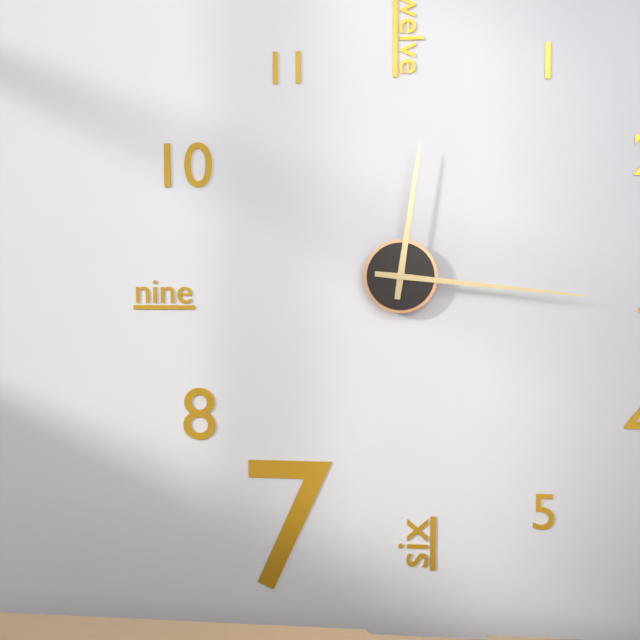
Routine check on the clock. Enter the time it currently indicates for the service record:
12:16
